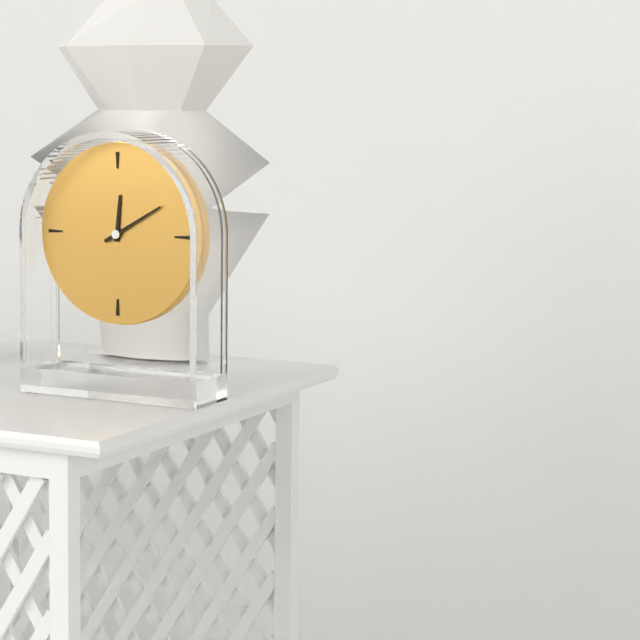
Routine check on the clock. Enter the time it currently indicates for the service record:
12:10
